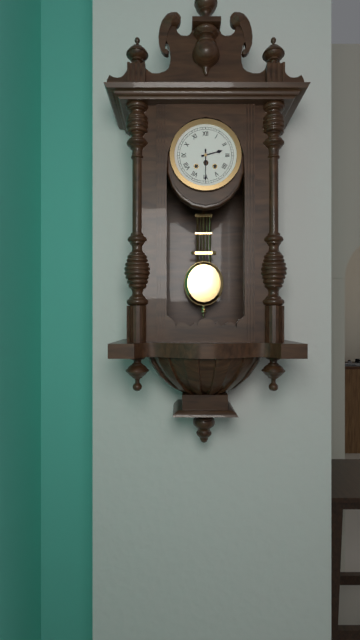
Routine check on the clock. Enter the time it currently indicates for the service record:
2:30
